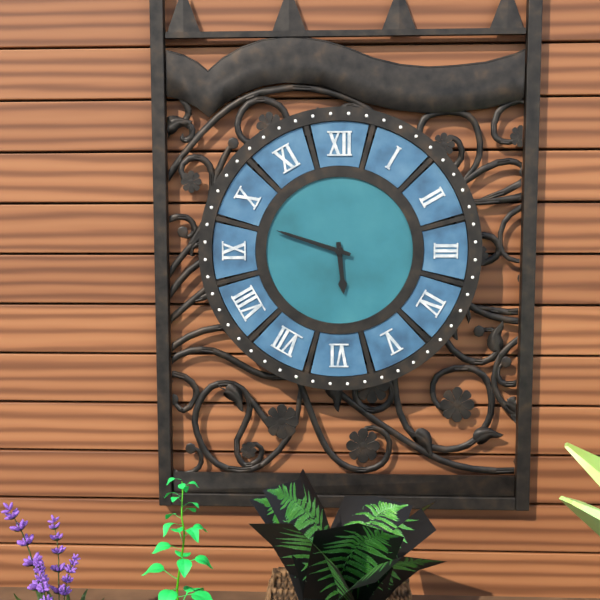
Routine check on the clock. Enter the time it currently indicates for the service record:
5:48
